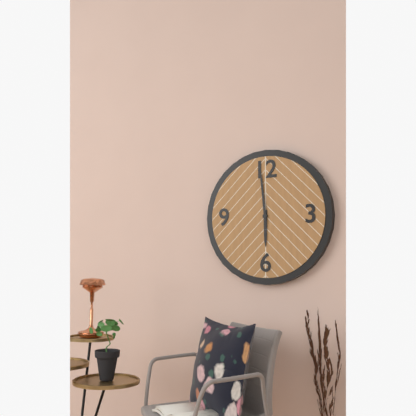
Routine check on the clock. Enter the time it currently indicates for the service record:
5:59
